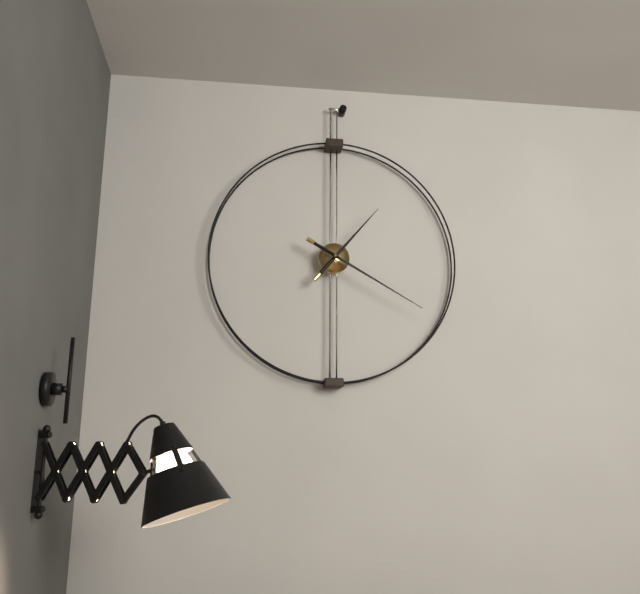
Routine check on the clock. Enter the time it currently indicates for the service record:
1:20
